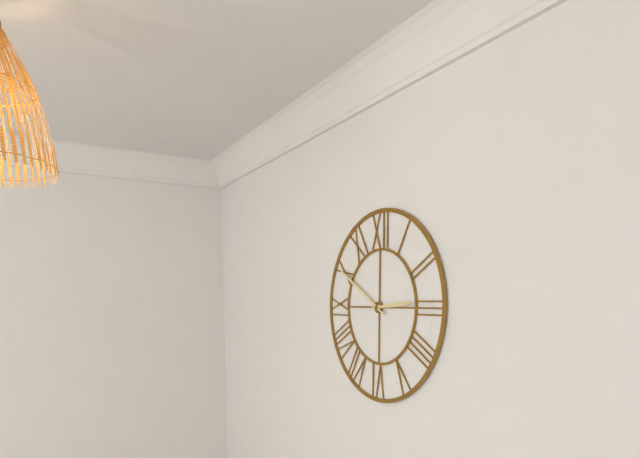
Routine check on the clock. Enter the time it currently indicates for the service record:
2:50
